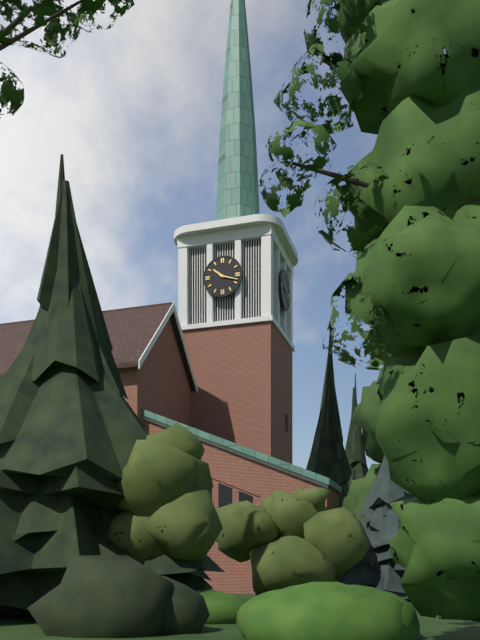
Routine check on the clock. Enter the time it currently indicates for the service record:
10:18
